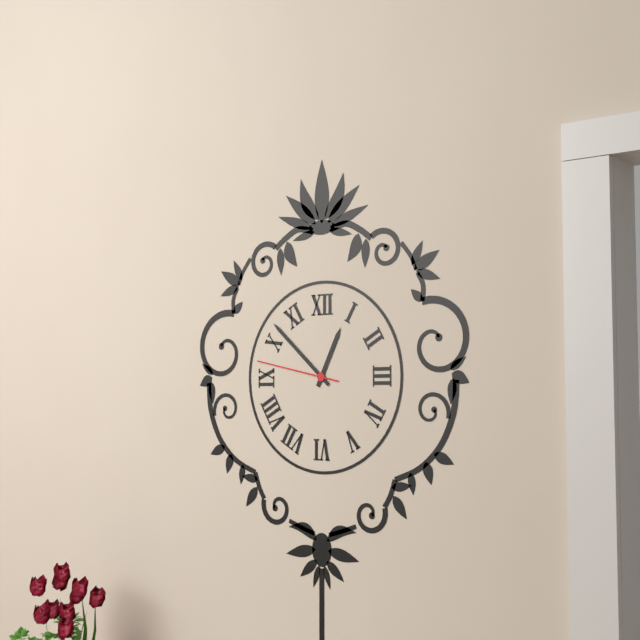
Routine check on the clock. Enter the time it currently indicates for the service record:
12:52:47
